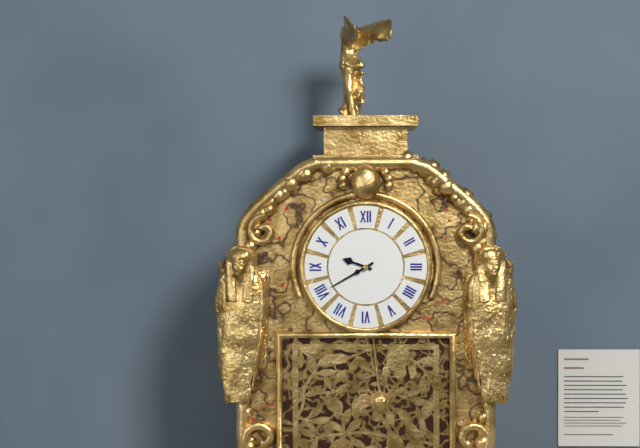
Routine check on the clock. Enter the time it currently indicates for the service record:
9:40
